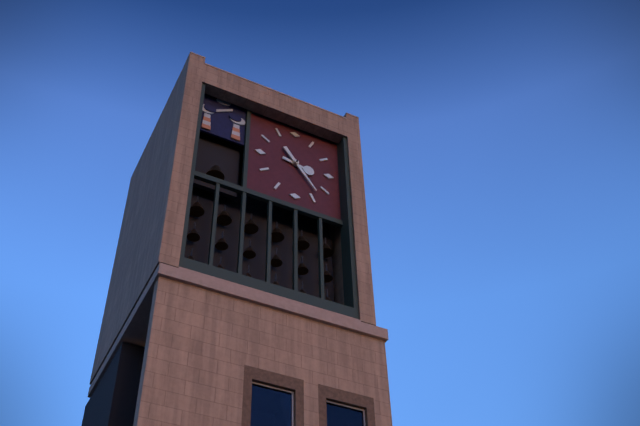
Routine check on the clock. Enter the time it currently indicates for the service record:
3:24
